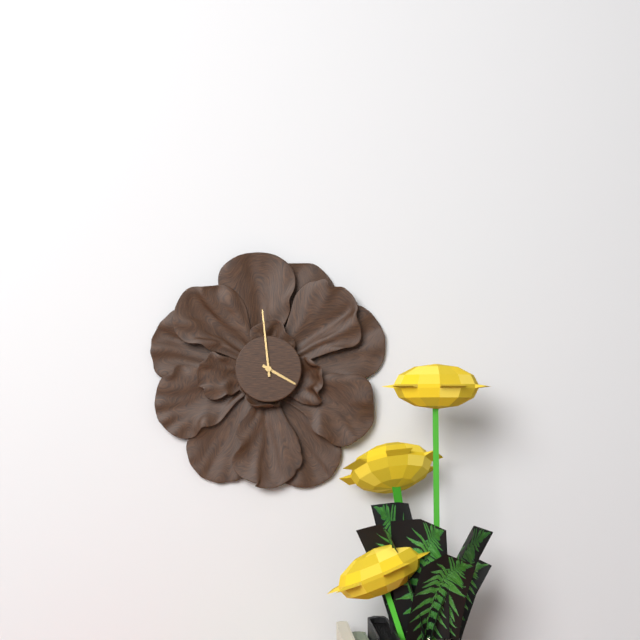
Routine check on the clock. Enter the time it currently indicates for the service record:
3:59
